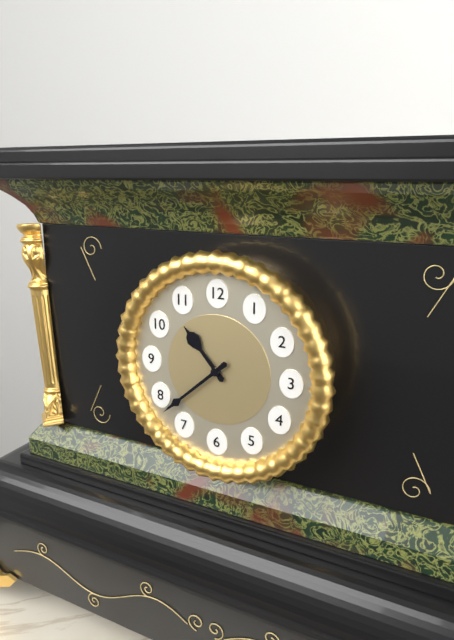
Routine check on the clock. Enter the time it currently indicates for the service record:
10:38
